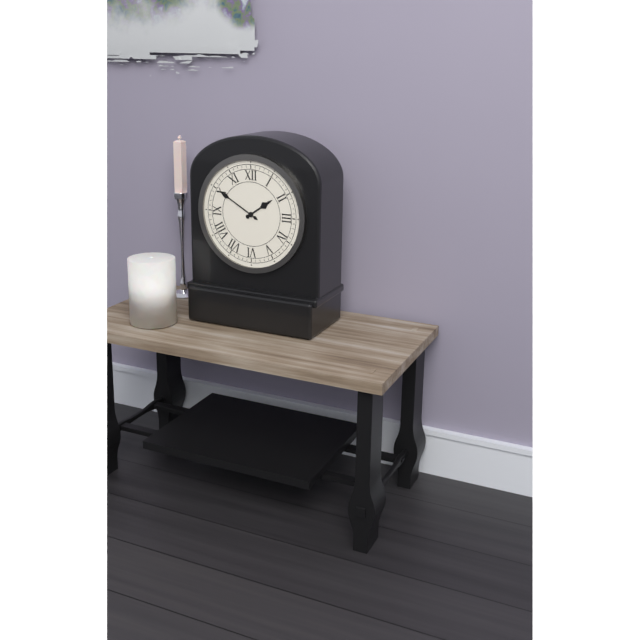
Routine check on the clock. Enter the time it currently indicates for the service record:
1:50
